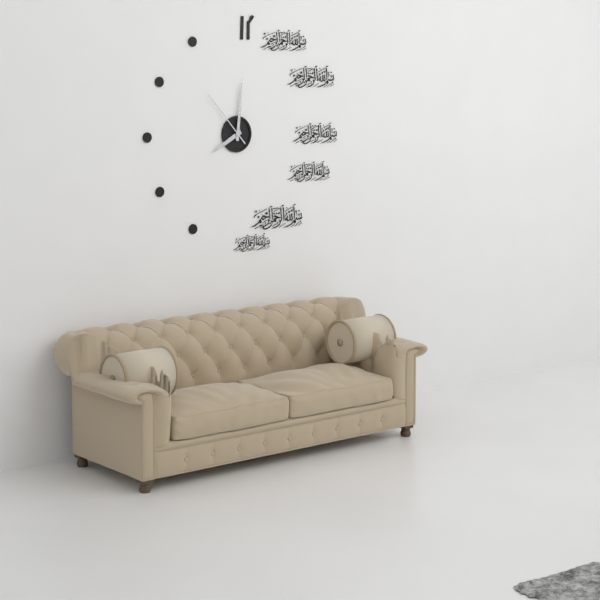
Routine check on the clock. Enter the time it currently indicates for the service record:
8:01:53
